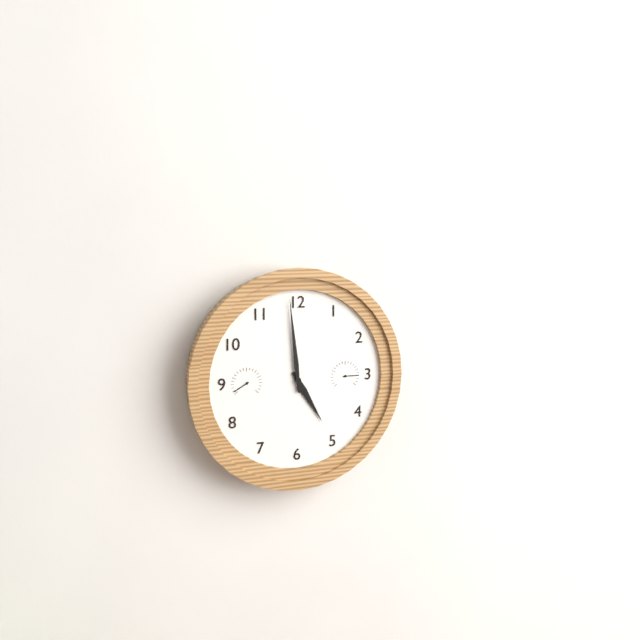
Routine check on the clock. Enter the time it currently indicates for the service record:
4:59
